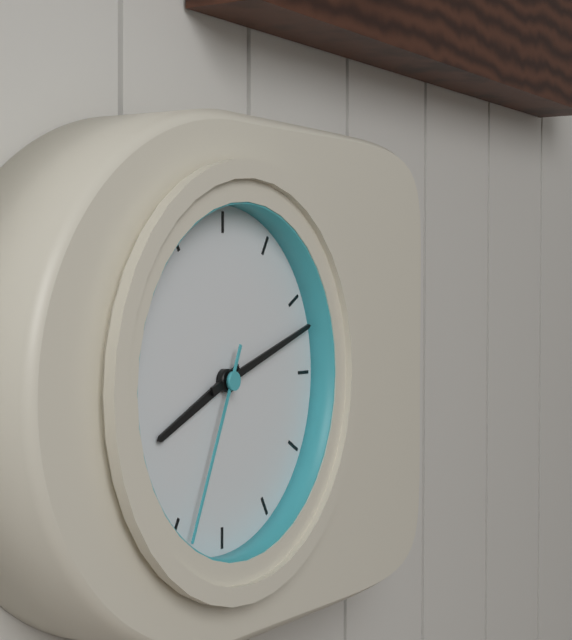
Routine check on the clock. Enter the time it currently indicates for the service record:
8:12:34
